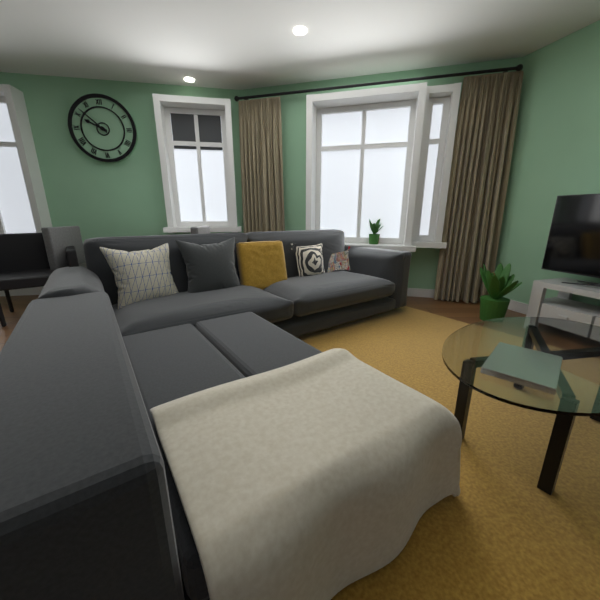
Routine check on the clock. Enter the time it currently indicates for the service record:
9:52
